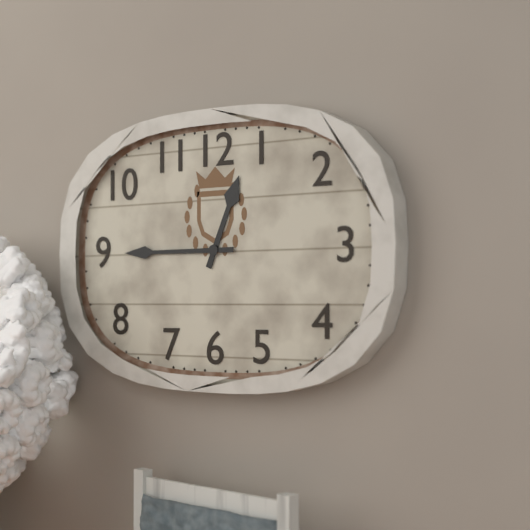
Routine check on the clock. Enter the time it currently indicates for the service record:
12:45
